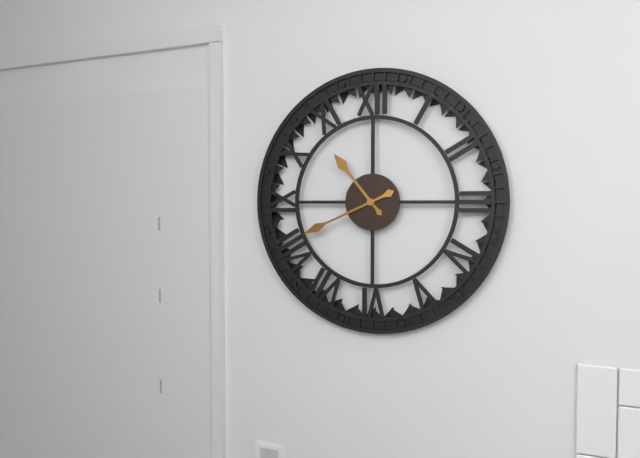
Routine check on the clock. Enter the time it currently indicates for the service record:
10:41
